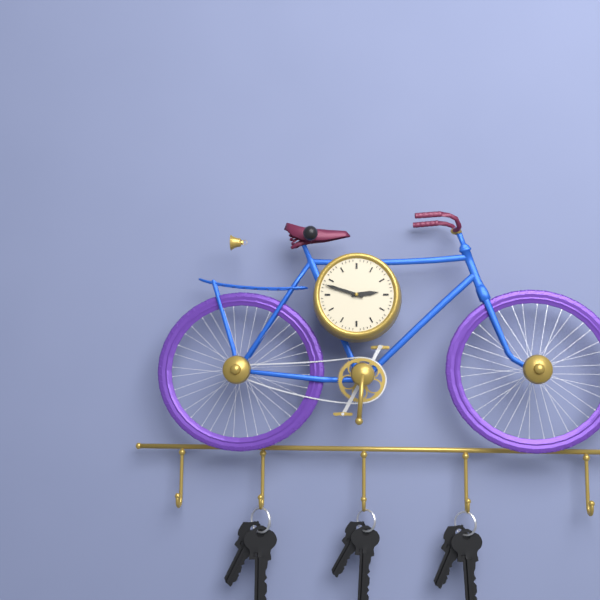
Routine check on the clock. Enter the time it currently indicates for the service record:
2:48
